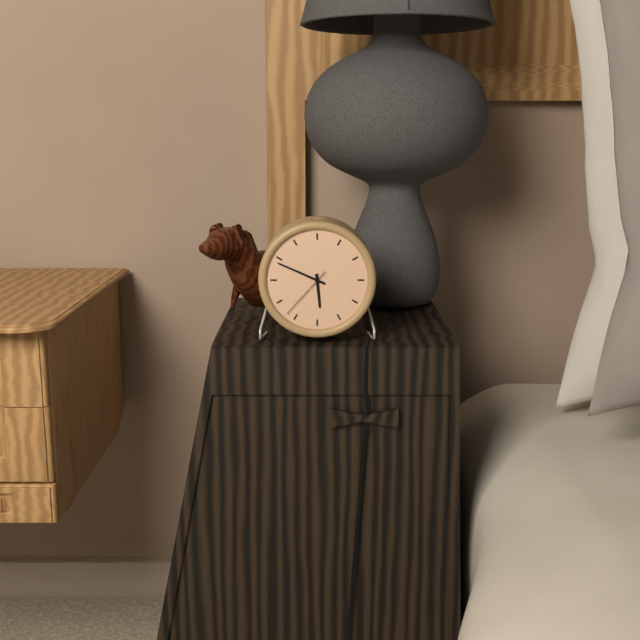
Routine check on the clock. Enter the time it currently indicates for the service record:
5:49:37
